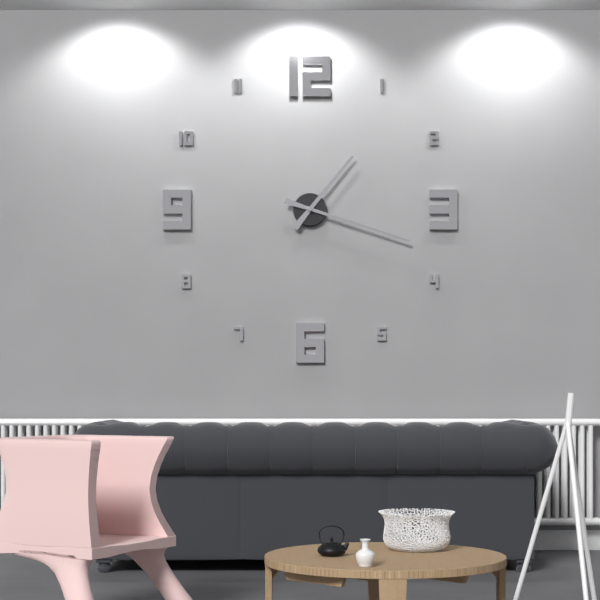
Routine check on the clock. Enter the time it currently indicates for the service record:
1:18
